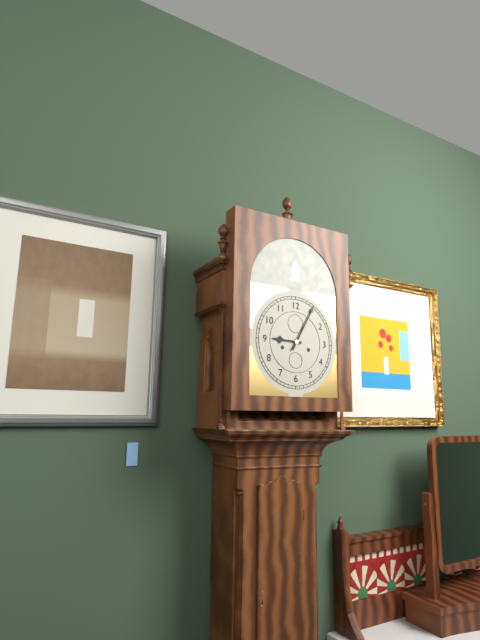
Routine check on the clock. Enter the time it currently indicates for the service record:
9:05
